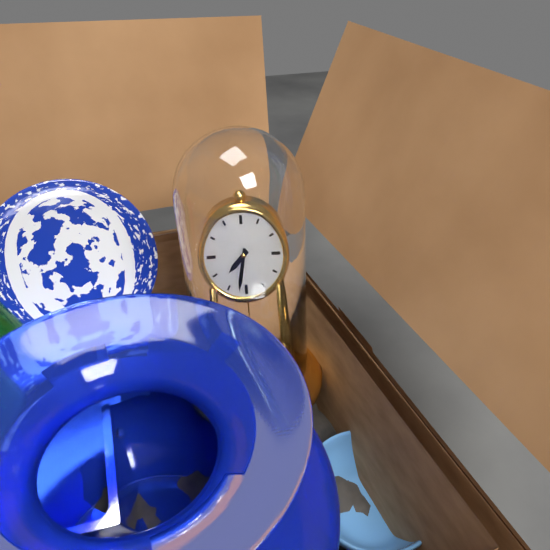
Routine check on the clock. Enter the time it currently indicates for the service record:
7:32
